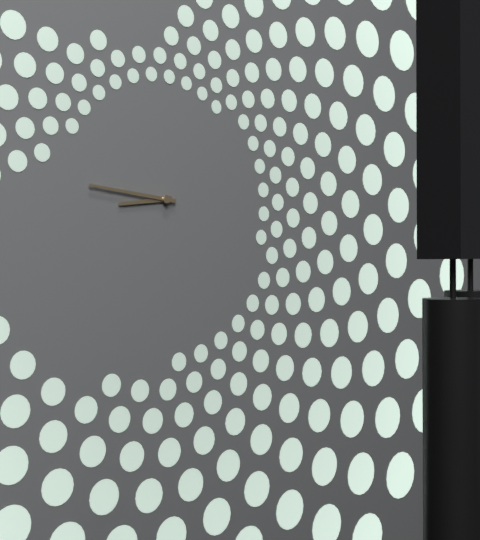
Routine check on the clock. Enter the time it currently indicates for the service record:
8:46
